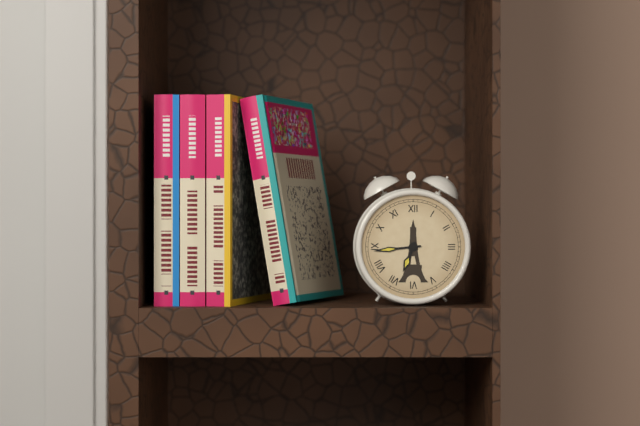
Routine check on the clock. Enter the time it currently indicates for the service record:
6:44
